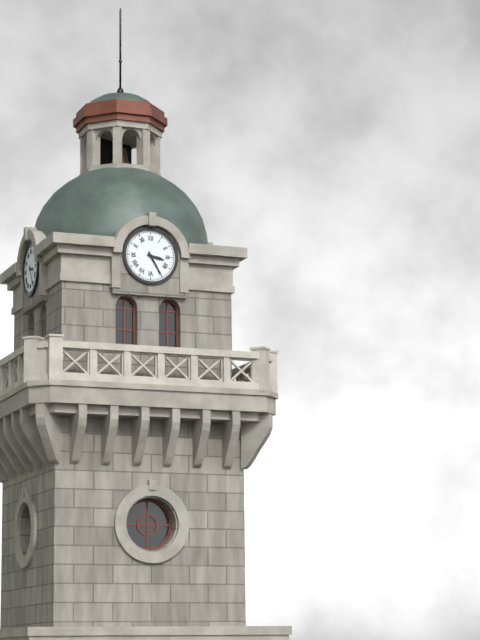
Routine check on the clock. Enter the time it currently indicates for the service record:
3:25
